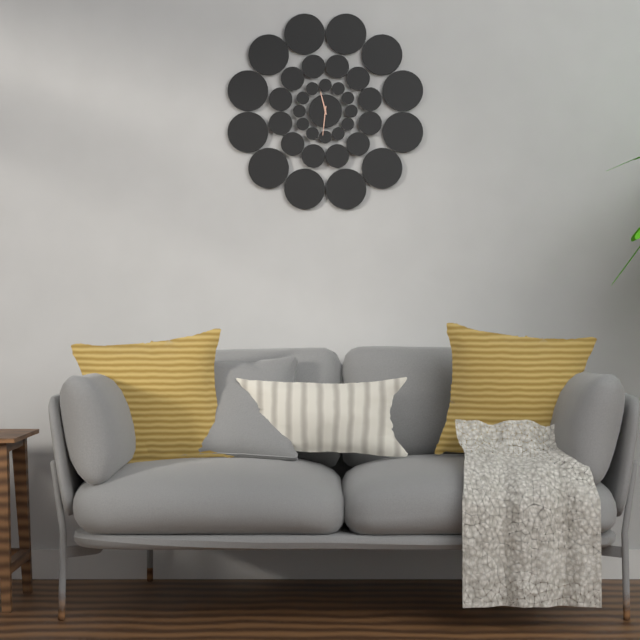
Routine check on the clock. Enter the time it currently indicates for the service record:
11:31
